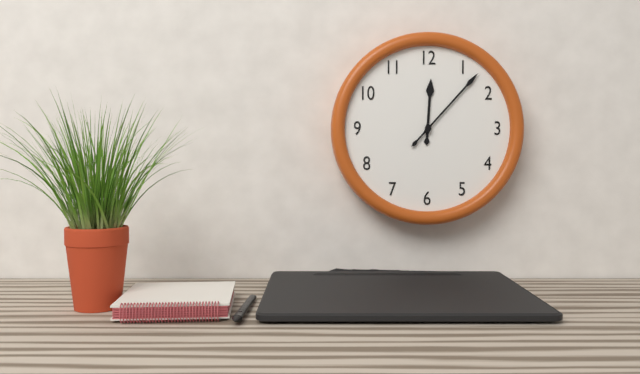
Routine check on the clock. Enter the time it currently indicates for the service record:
12:07
